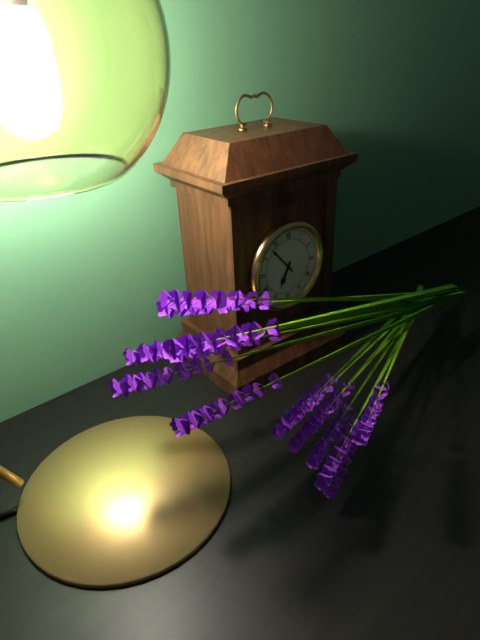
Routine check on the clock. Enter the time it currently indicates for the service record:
6:53
